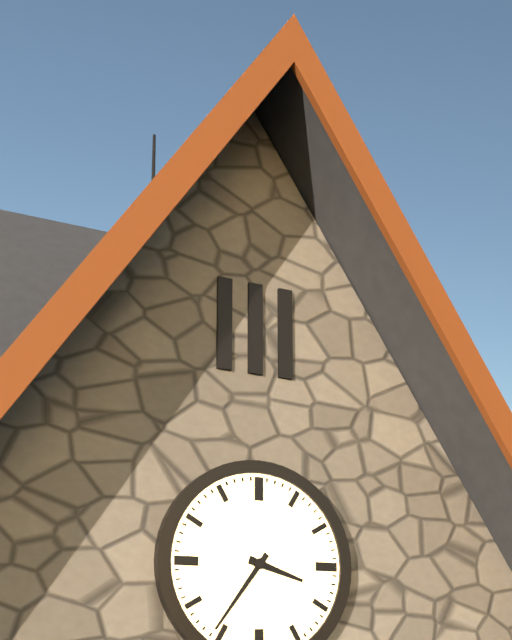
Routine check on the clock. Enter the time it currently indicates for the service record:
3:36
